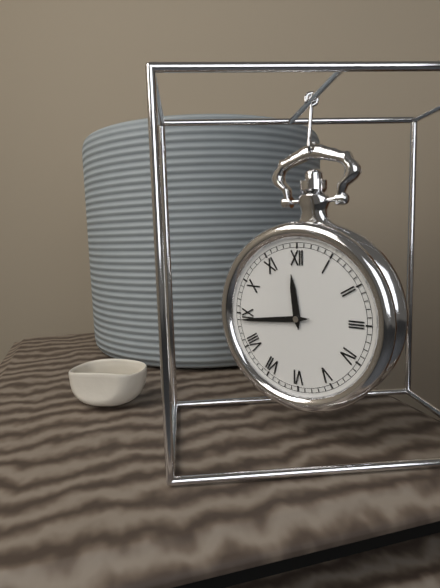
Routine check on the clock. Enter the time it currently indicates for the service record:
11:44
